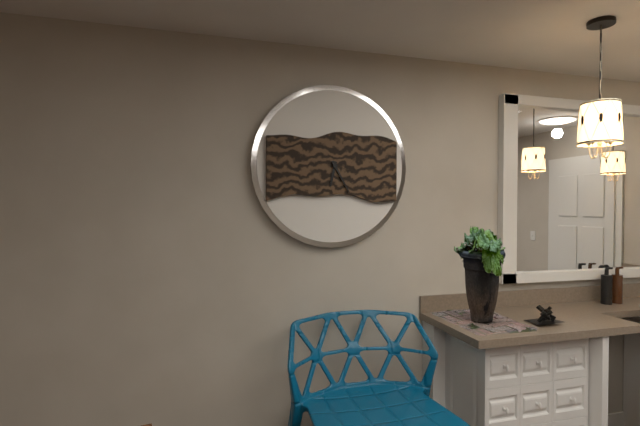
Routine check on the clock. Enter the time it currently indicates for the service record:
6:25
